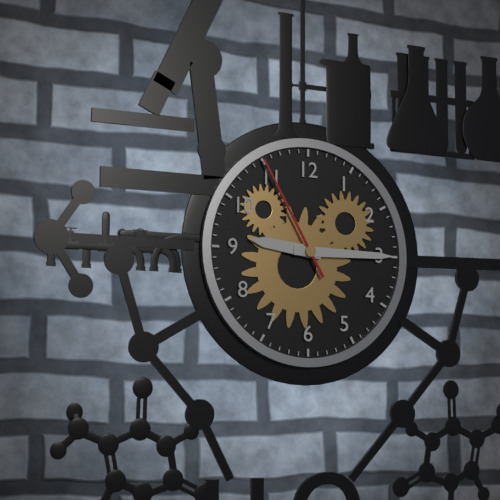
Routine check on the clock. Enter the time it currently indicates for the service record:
9:15:55
